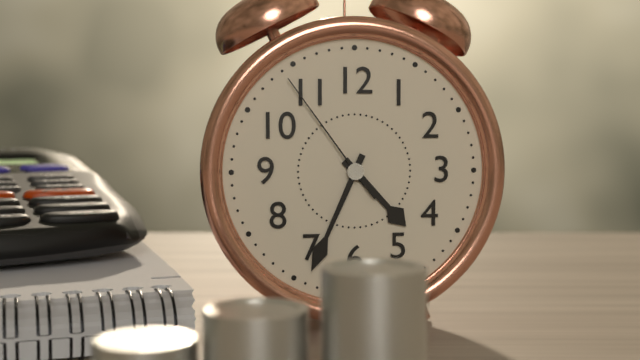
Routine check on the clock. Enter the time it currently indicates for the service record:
4:34:54
